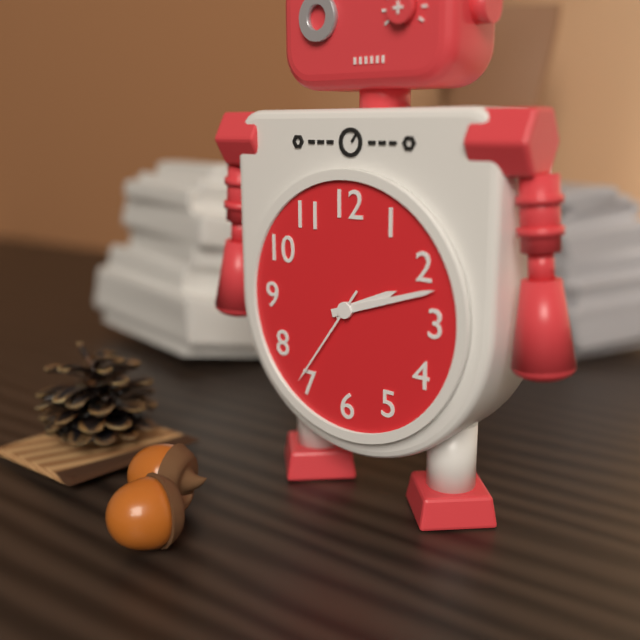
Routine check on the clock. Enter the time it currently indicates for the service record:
2:12:36
